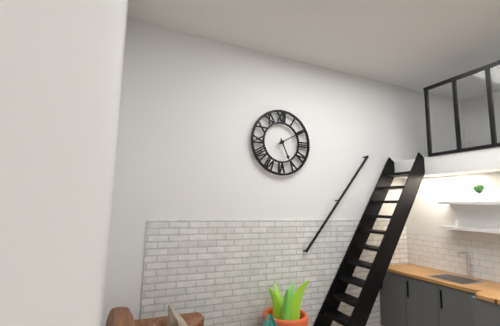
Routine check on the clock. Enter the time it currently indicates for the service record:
5:10
